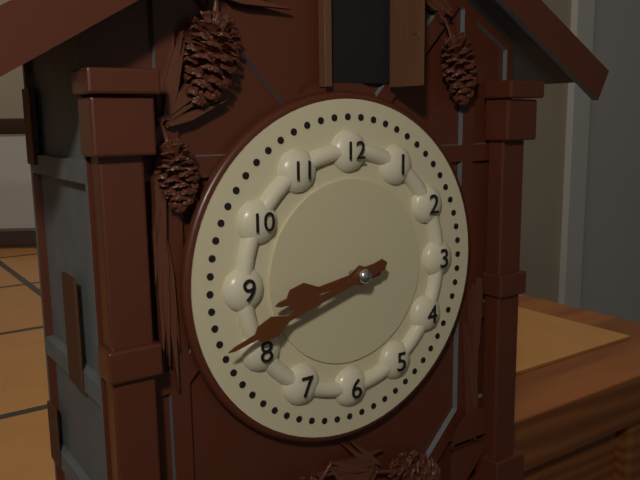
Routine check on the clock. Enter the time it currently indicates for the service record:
8:42
